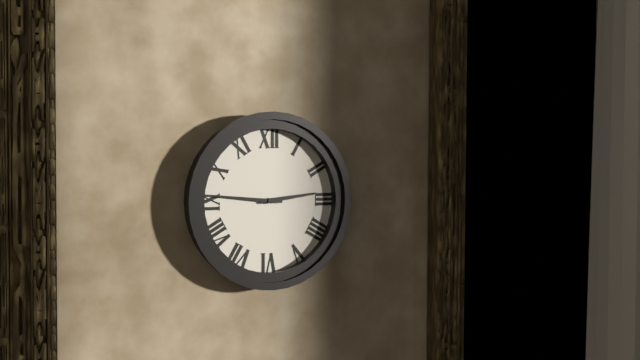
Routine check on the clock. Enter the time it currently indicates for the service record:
2:46
